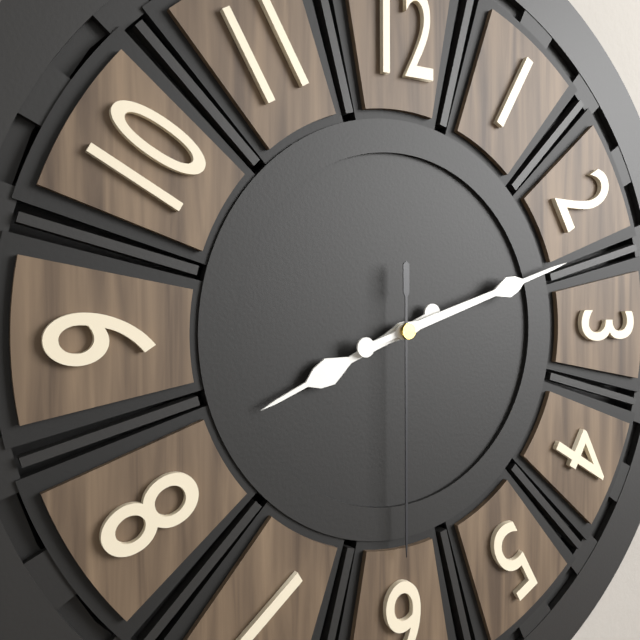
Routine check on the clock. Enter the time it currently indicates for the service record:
8:12:30
